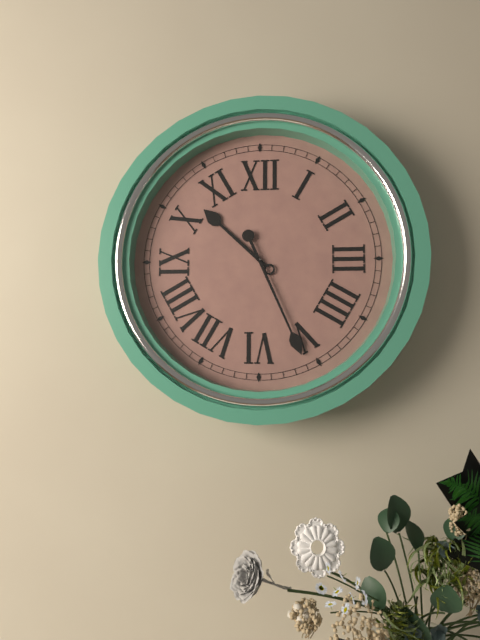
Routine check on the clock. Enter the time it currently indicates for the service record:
10:26
